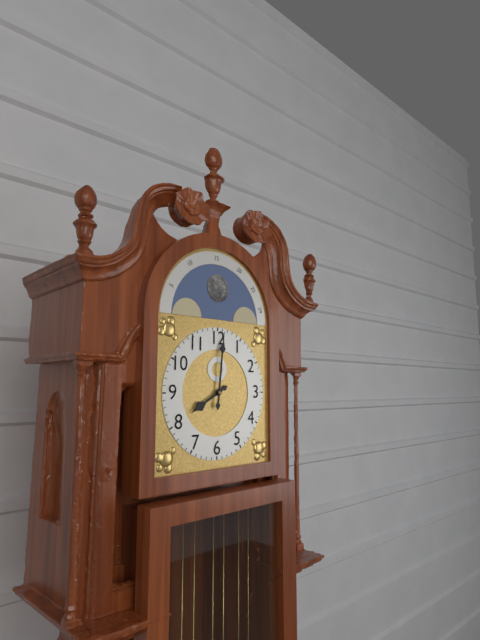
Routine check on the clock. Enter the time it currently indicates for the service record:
8:01
